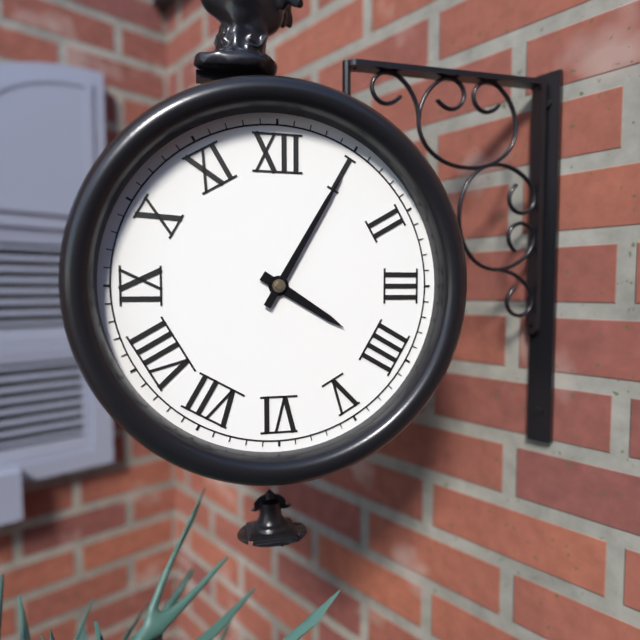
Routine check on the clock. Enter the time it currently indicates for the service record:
4:05
